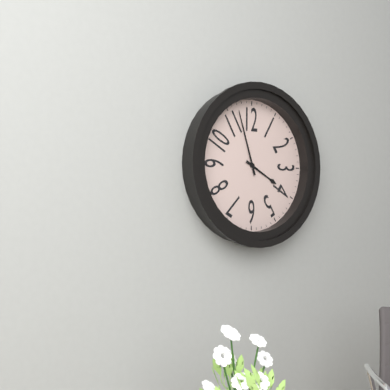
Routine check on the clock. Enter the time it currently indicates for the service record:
3:57
